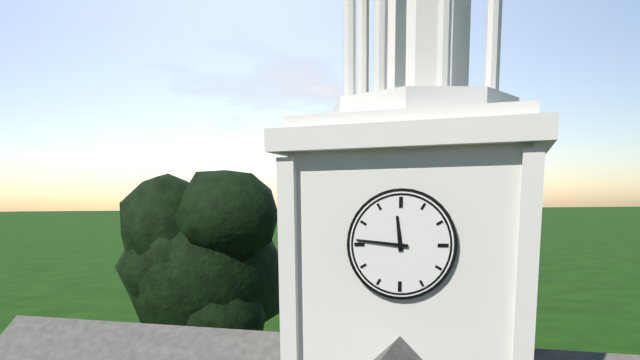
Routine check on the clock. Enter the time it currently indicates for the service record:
11:46
